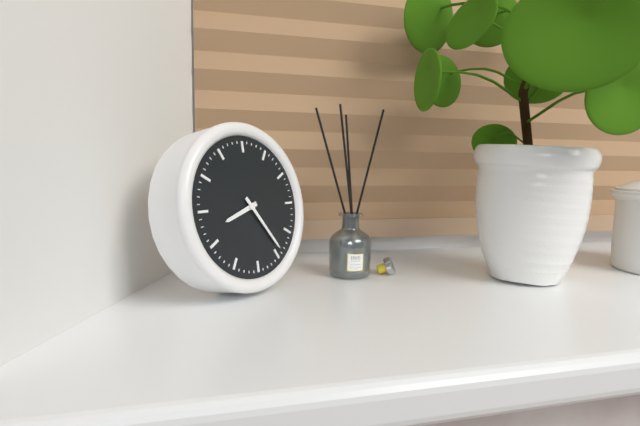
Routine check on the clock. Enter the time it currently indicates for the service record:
8:24
